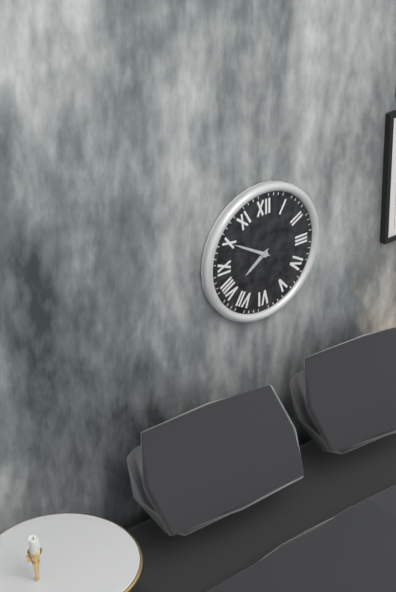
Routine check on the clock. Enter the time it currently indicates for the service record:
7:50
